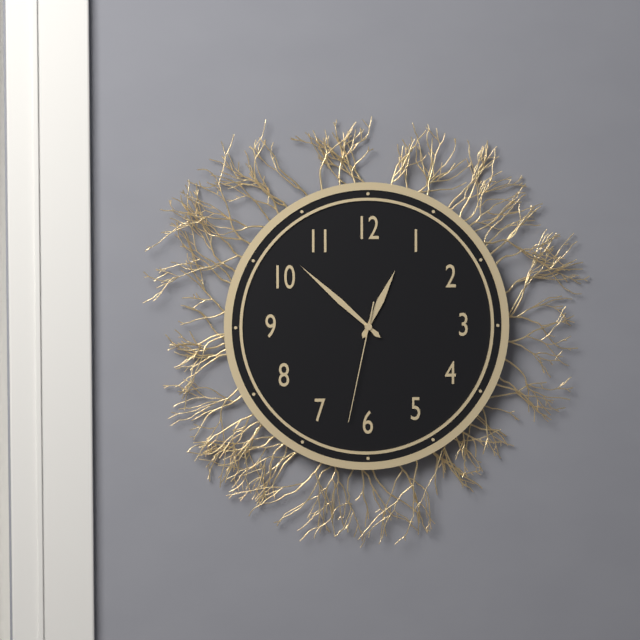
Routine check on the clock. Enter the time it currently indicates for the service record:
12:52:32
